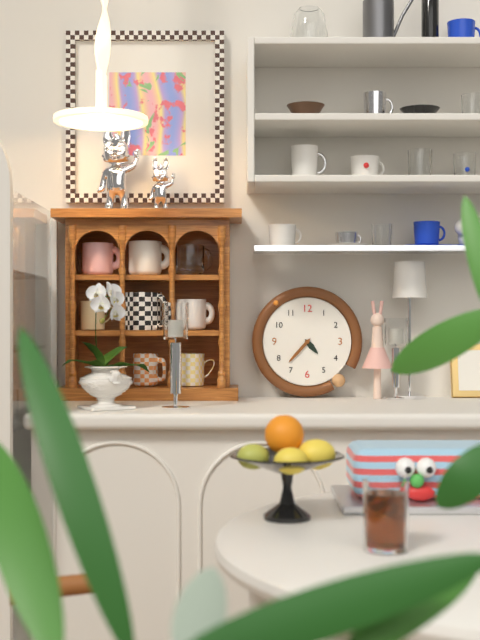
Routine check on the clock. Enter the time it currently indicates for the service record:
4:37
